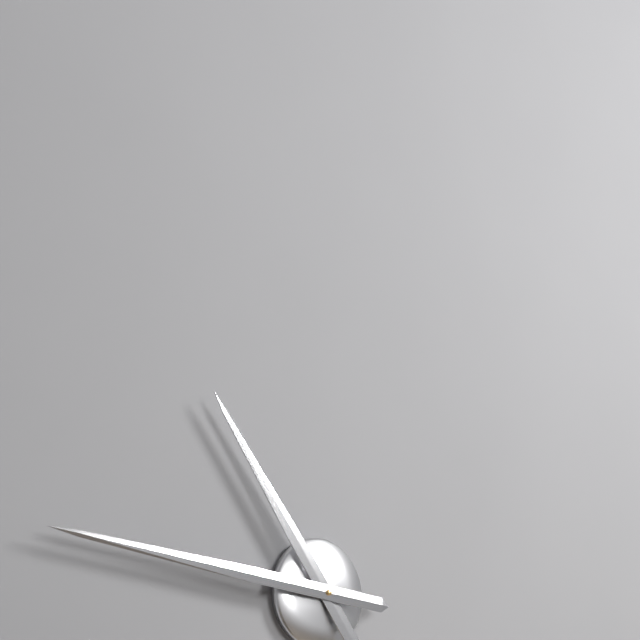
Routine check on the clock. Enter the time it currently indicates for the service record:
10:46
